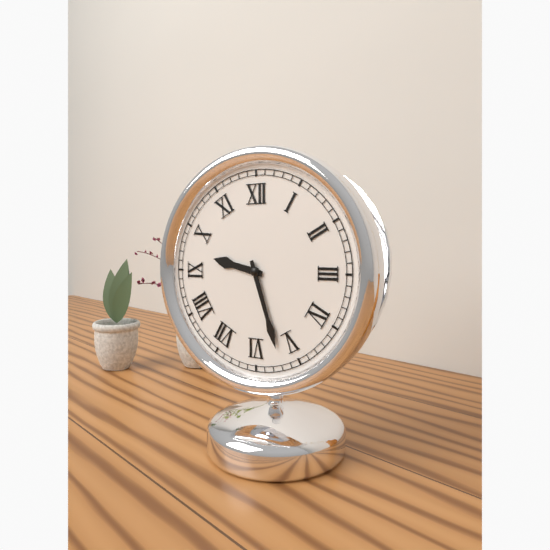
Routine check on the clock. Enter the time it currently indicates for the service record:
9:27
